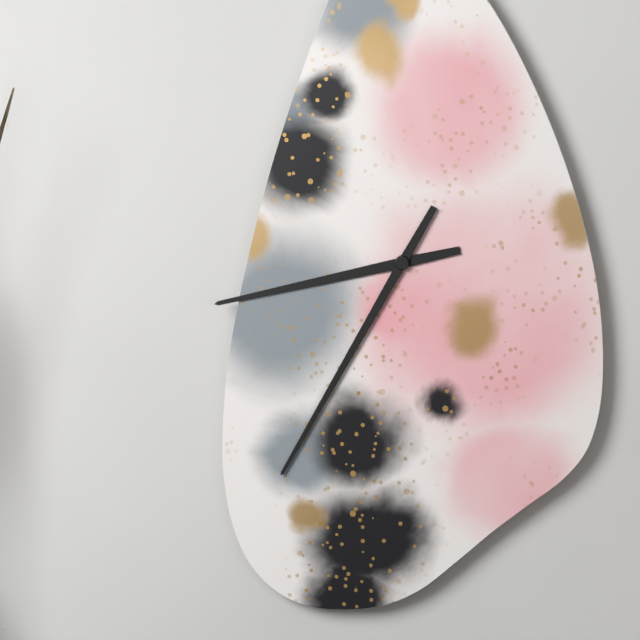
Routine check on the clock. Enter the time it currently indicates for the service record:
8:35
